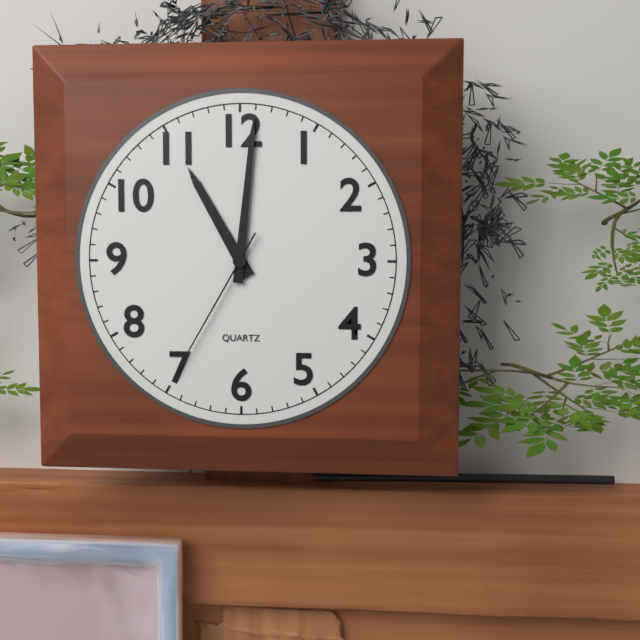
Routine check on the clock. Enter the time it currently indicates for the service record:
11:01:35
